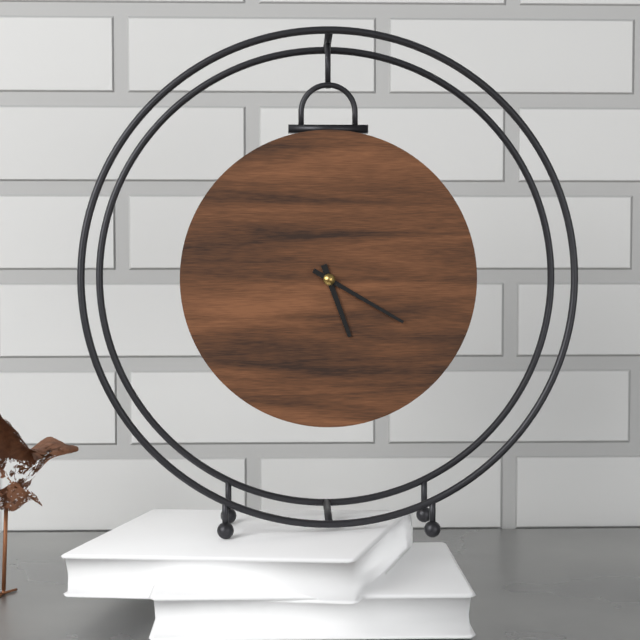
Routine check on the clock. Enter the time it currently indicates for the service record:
5:20
